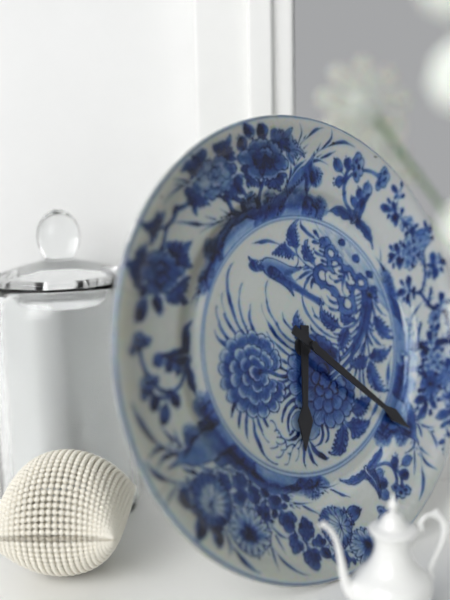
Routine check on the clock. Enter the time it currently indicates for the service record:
6:22
